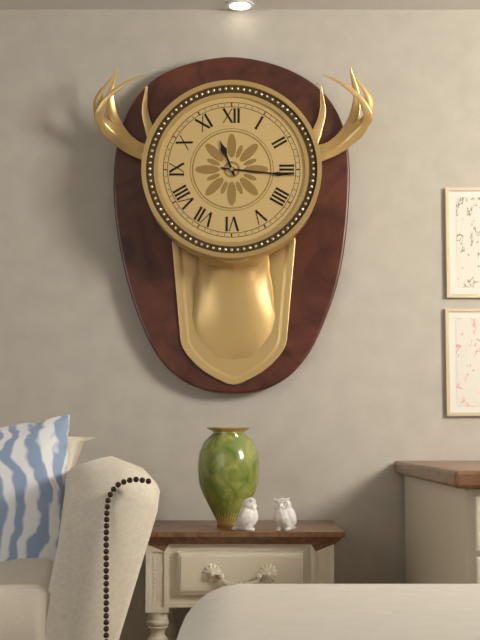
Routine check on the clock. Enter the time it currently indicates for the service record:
11:16
